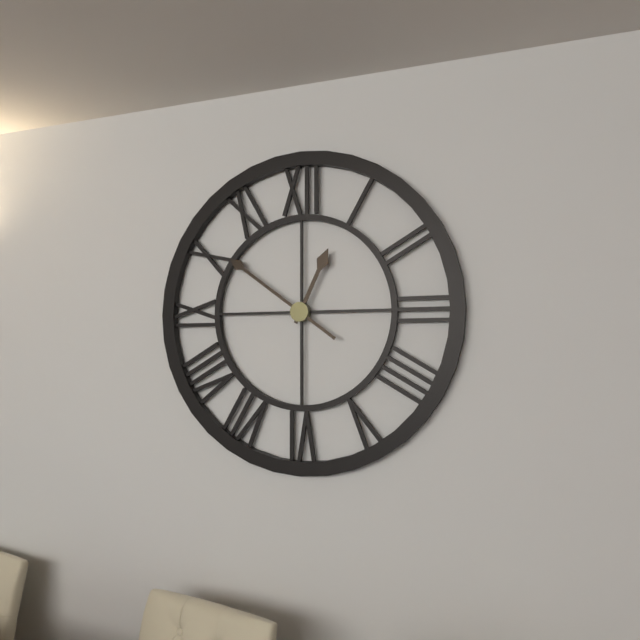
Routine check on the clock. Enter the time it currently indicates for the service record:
12:51
